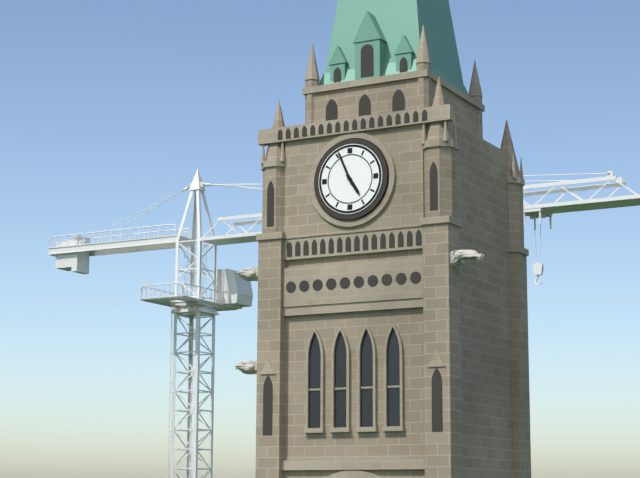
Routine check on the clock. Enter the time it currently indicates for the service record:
4:56
